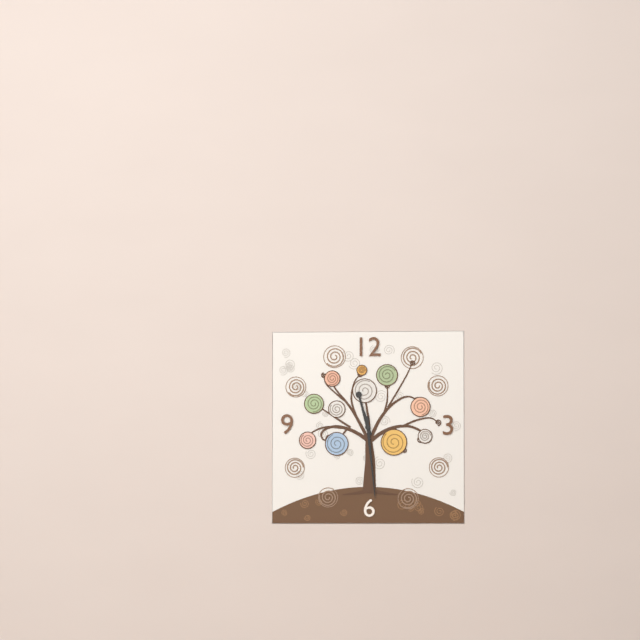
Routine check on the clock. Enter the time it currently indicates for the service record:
11:29
